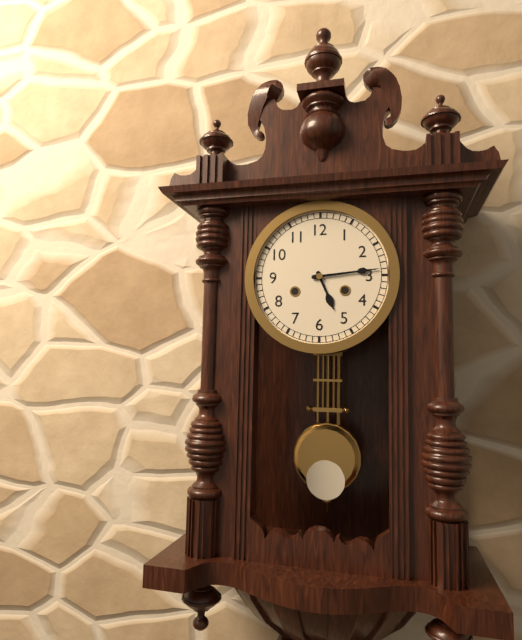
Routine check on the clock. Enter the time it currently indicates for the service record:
5:14
